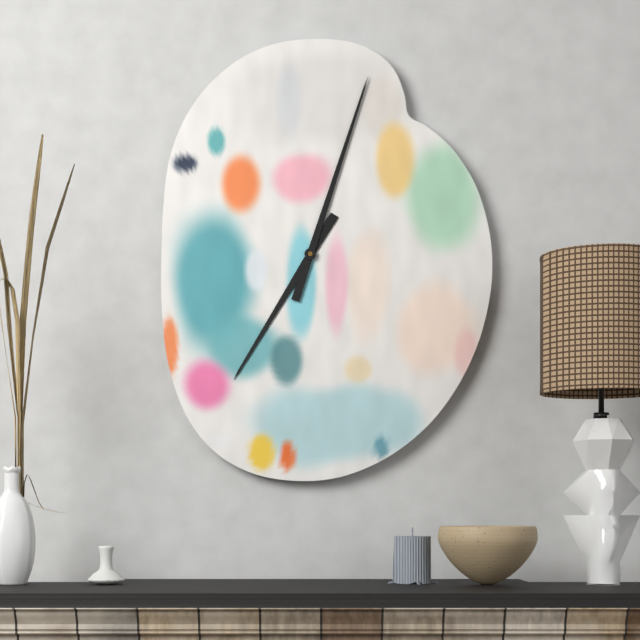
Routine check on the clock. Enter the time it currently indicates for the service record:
7:03
